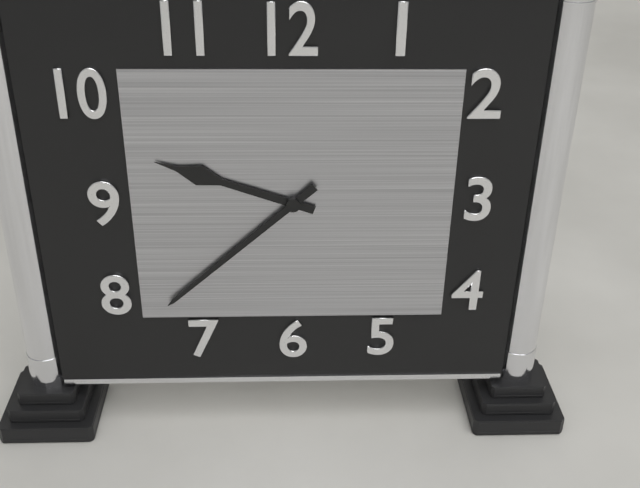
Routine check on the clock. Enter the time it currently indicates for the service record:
9:38
